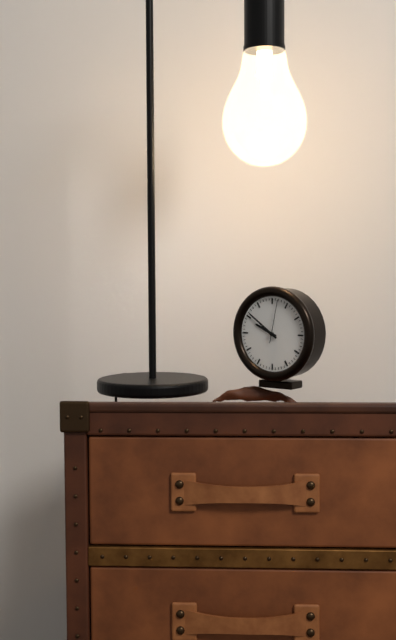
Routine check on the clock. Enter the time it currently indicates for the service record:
9:51
